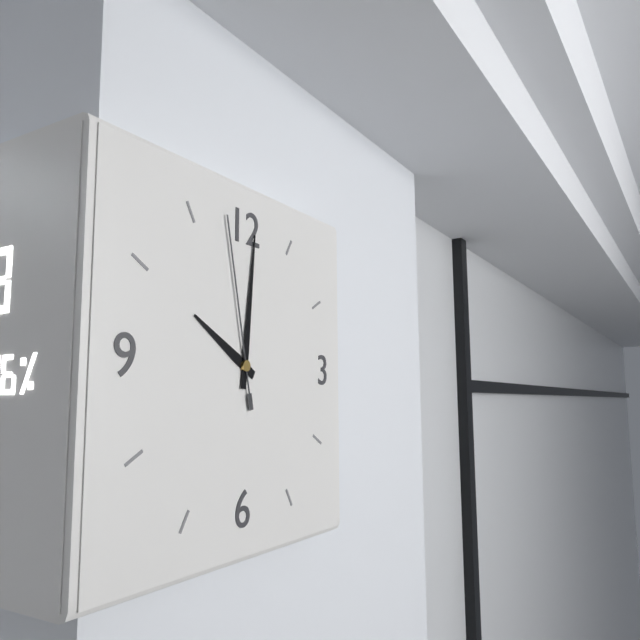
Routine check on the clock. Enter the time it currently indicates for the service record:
10:01:58
